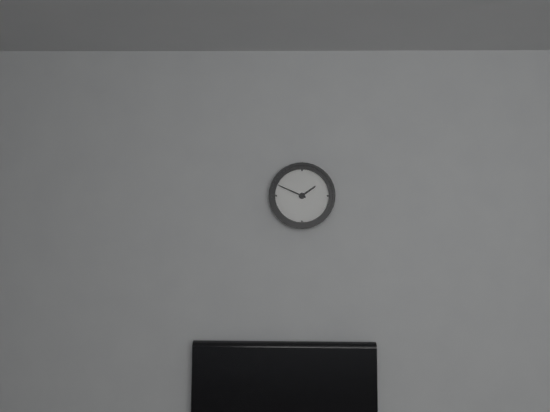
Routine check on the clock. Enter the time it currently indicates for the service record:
1:49
